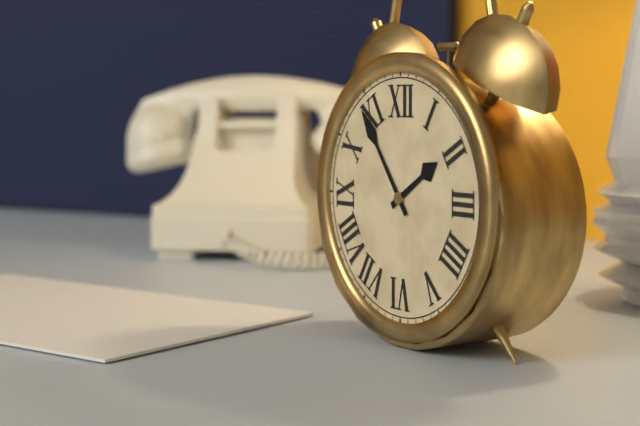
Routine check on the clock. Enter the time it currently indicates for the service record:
1:54
